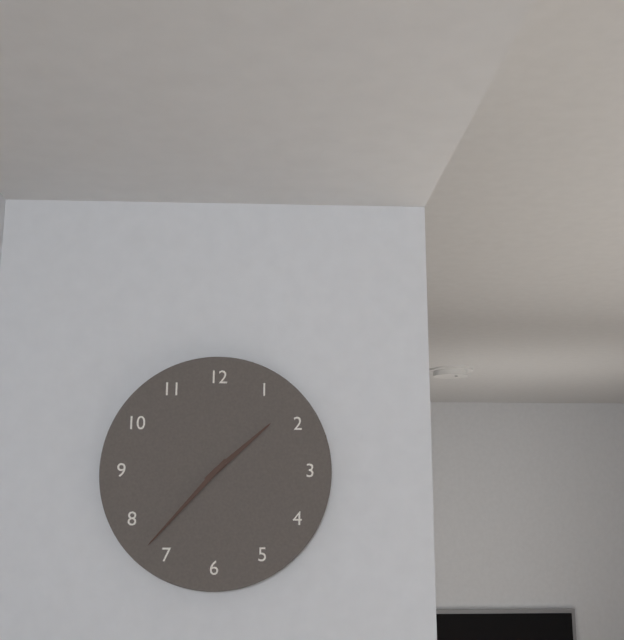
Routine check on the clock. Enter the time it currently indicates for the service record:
1:37
